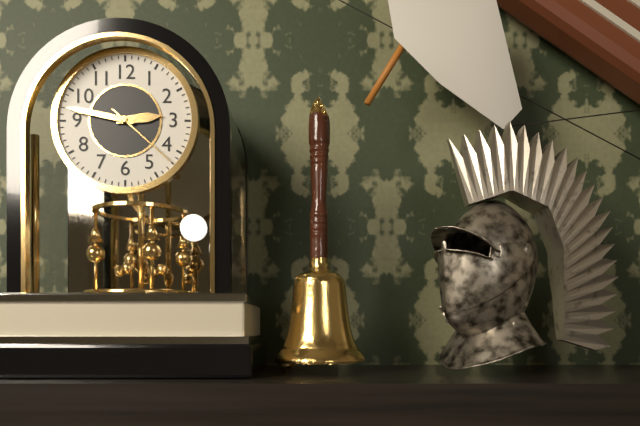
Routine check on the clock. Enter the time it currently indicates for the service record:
2:47:22
